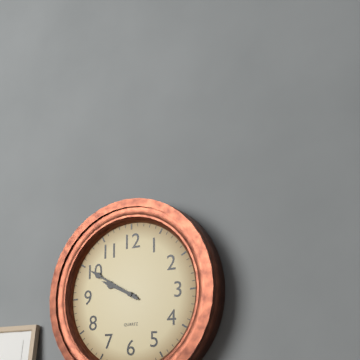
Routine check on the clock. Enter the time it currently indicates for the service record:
9:50
